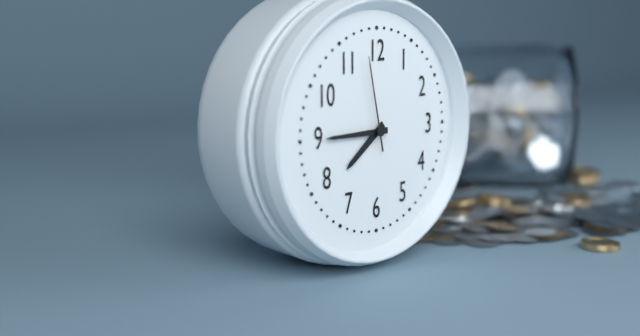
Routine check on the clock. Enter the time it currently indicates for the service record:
7:45:58
